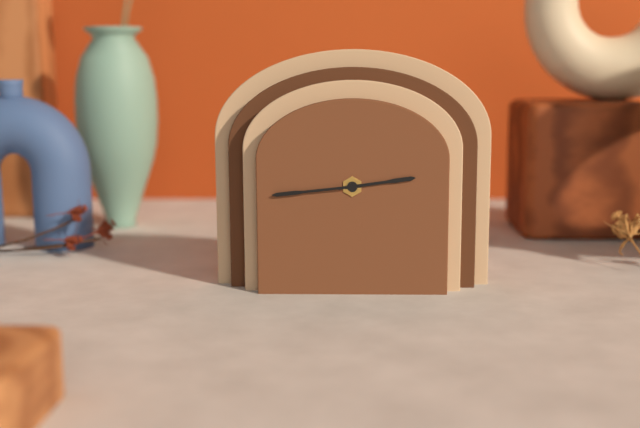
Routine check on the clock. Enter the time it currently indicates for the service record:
2:44
